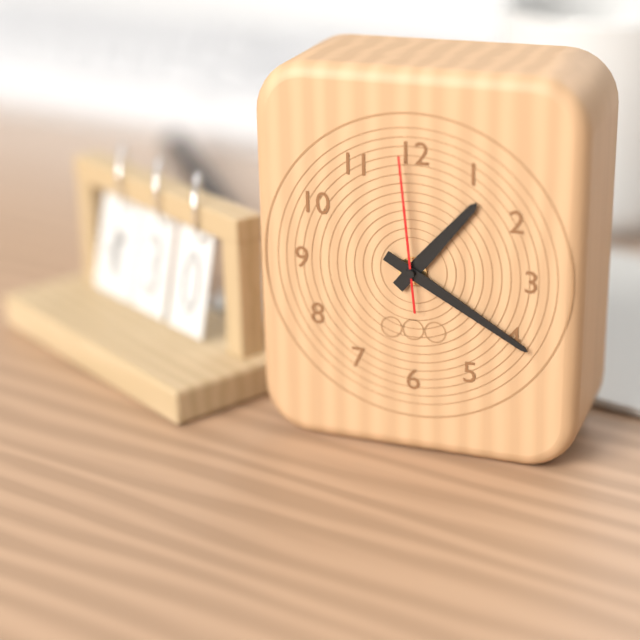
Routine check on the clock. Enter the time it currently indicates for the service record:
1:20:59
